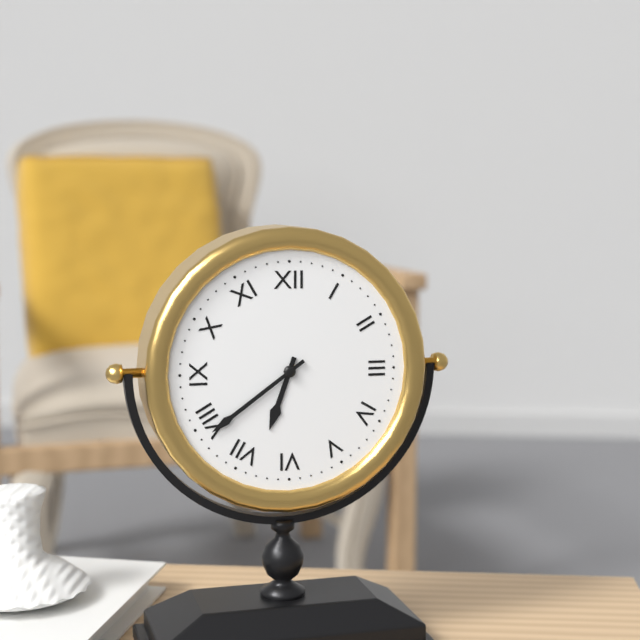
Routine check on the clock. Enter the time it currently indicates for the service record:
6:39
